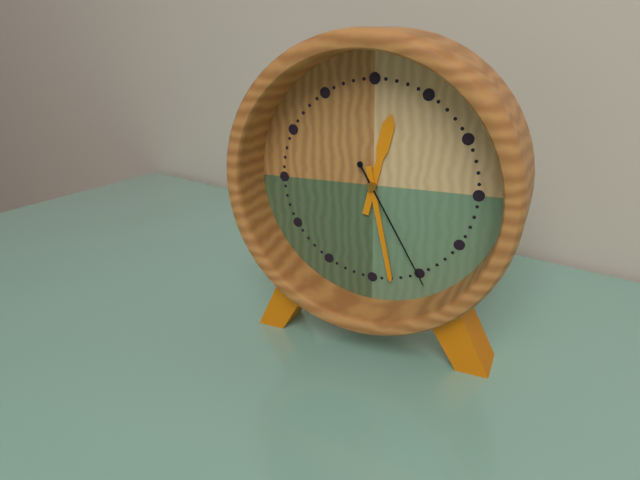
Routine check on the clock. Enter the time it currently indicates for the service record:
12:28:25
